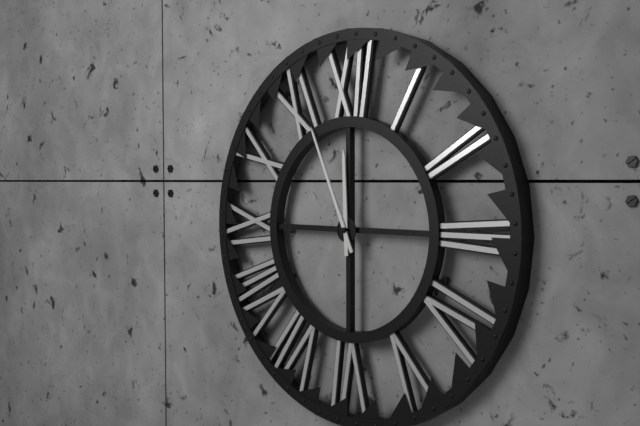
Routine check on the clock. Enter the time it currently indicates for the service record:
11:56
